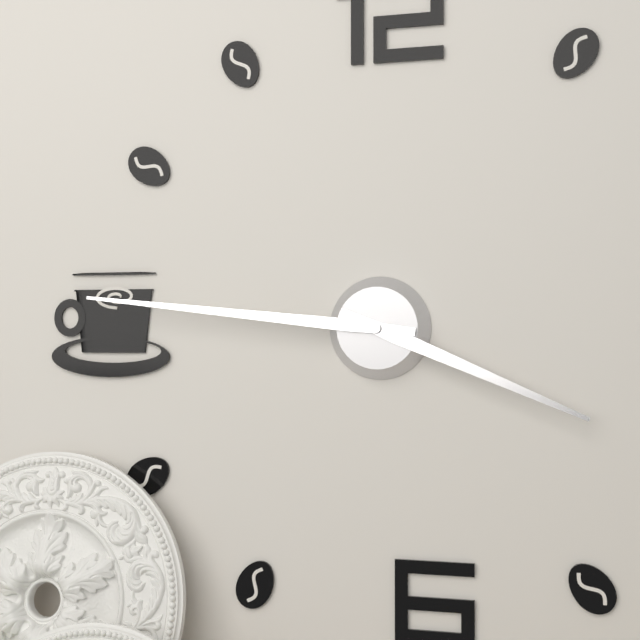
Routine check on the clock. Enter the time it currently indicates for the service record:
3:46
